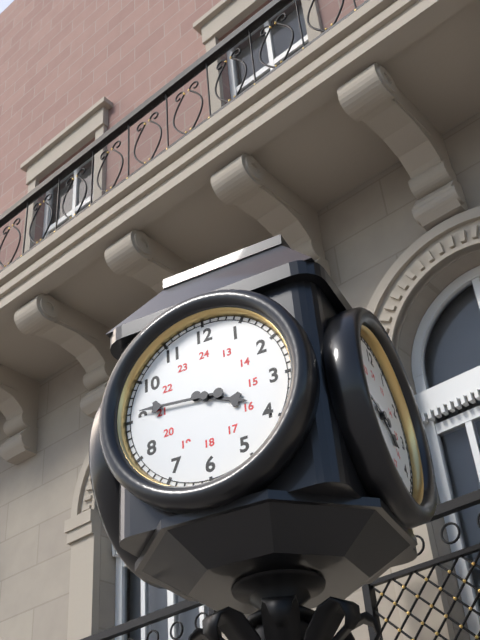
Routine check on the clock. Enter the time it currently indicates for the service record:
3:46
